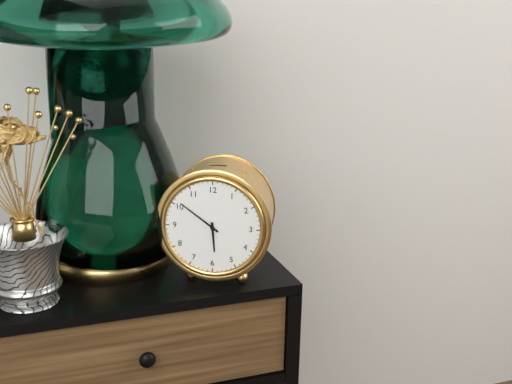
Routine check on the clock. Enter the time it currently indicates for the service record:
5:51
